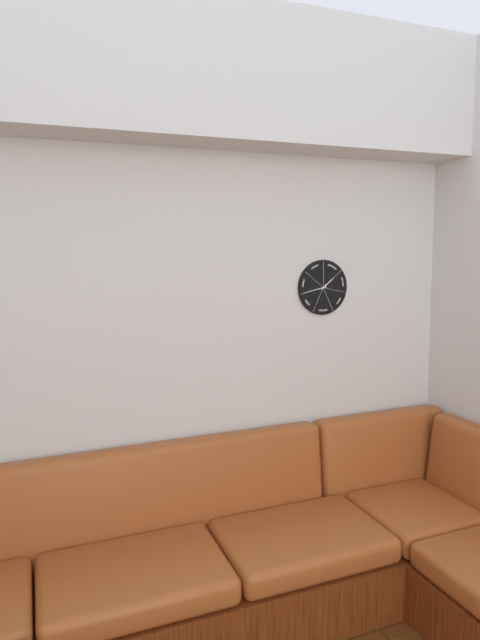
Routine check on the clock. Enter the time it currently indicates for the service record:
1:43
